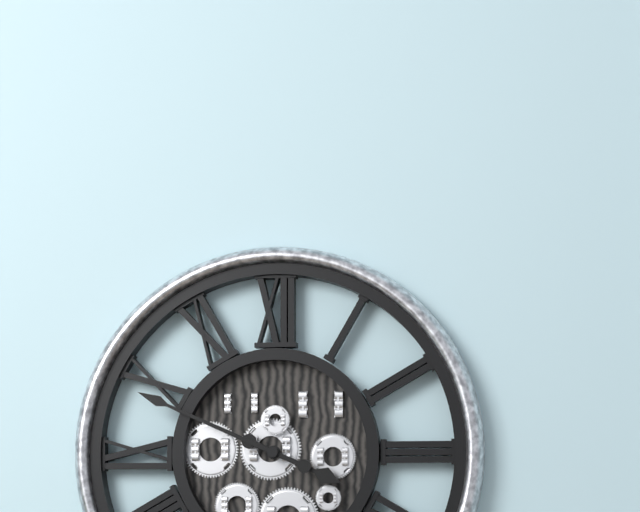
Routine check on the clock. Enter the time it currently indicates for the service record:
3:49
